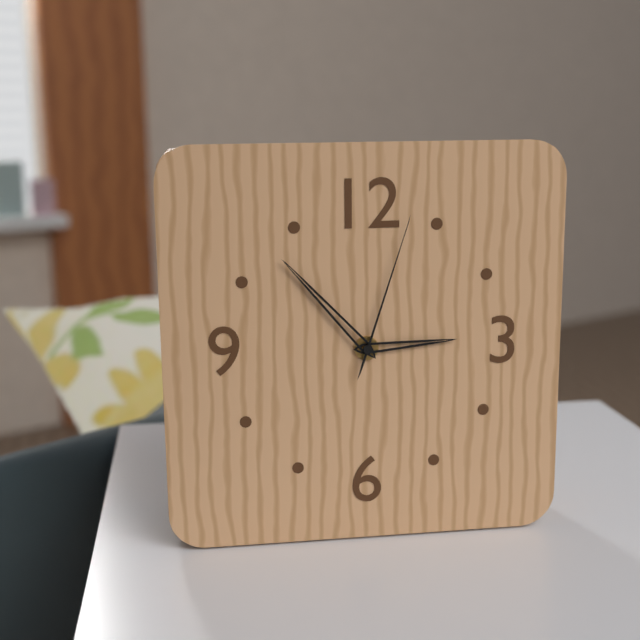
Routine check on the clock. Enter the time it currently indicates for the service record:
2:53:03
